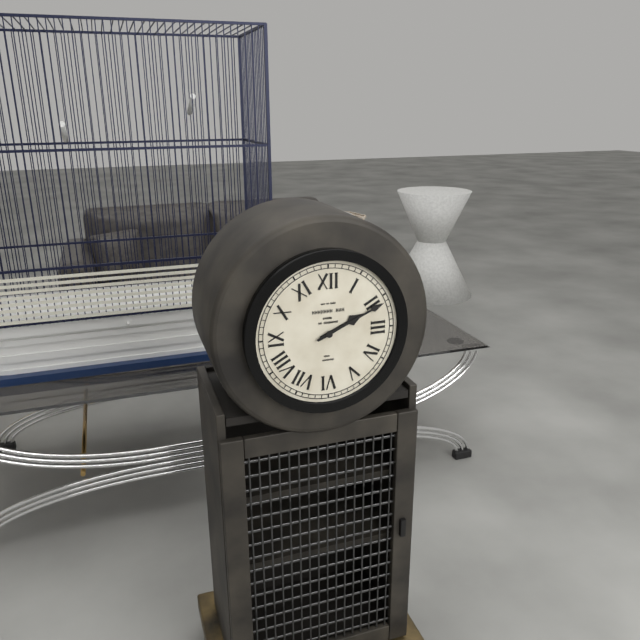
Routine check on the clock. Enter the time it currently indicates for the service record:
2:11
